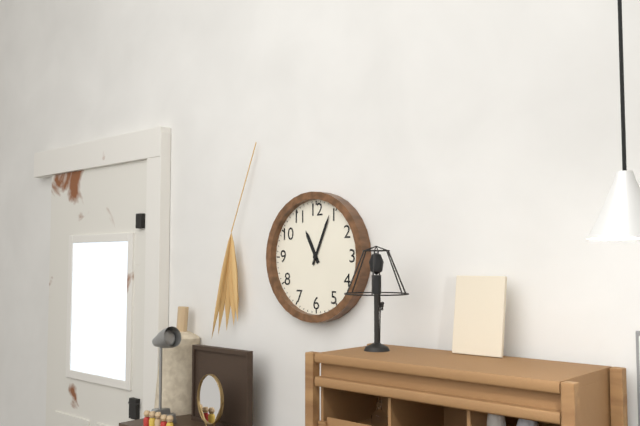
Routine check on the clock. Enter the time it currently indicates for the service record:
11:04
